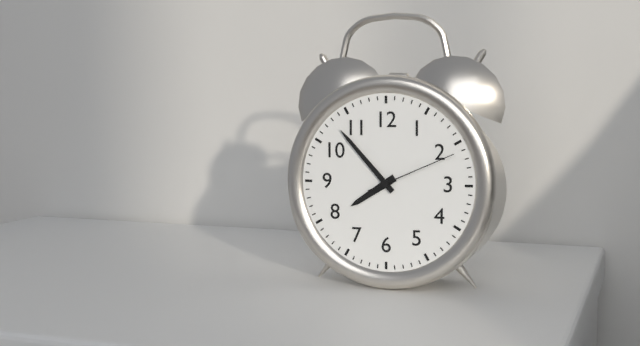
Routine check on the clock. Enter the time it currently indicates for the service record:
7:53:11
